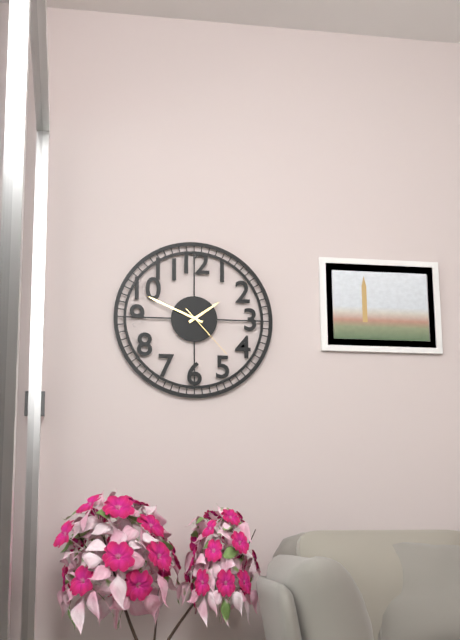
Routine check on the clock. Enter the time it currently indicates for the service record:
1:49:23
